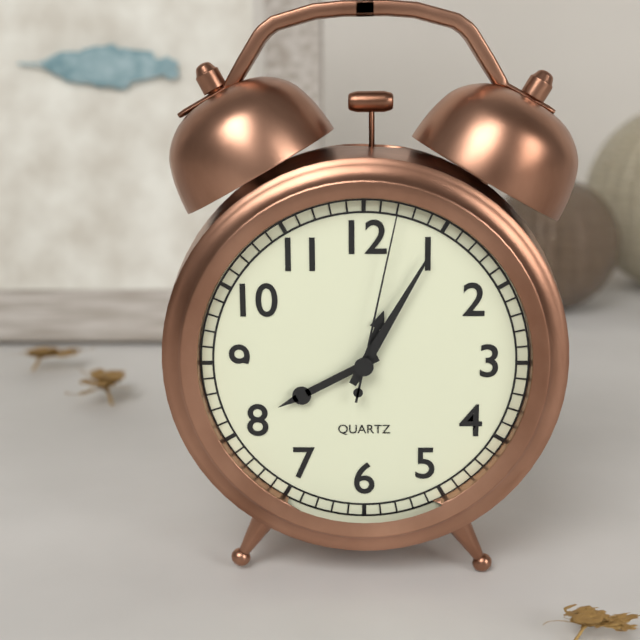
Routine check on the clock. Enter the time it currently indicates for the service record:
8:05:02
